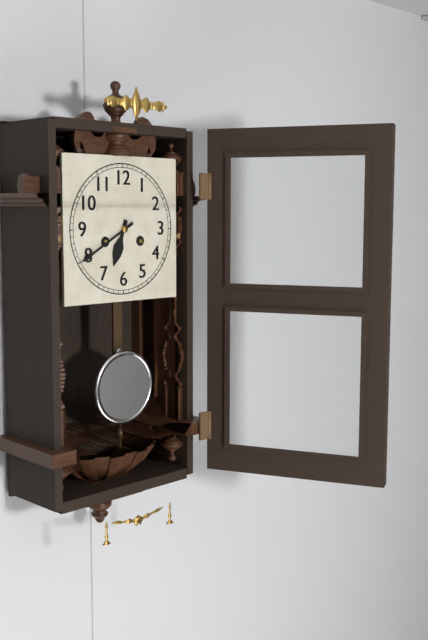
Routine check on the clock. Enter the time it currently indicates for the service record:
6:40
